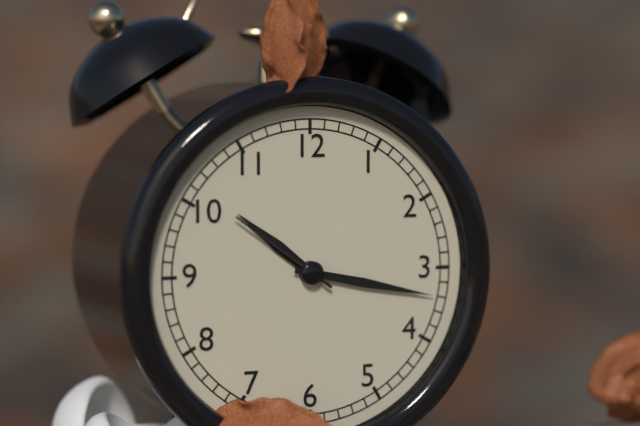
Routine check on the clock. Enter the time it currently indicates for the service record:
10:17:51
